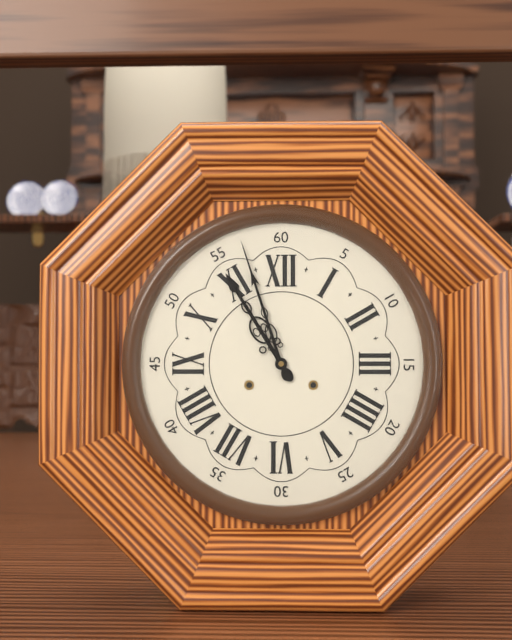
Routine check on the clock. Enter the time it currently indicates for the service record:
10:57
